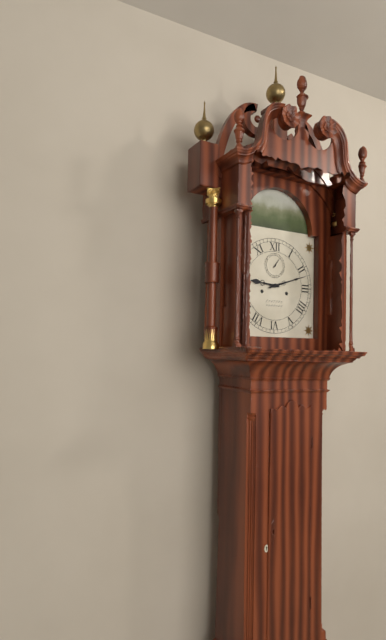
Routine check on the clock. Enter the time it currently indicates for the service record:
9:12
